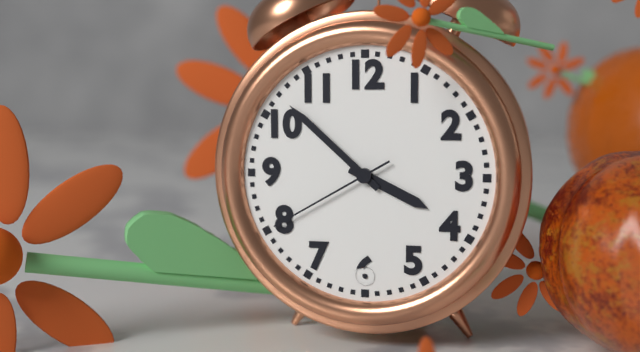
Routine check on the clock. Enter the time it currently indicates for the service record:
3:52:40
